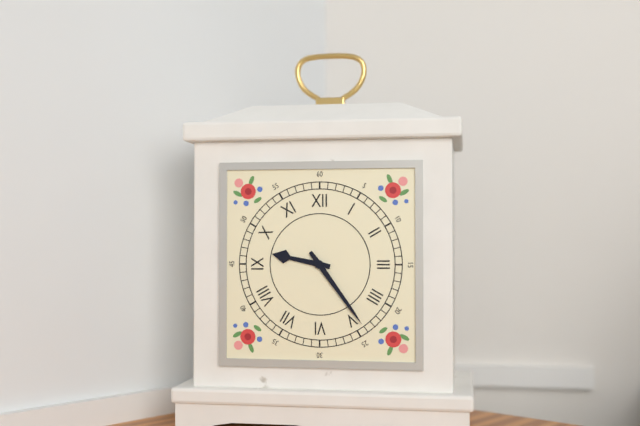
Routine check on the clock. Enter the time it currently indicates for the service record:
9:24
